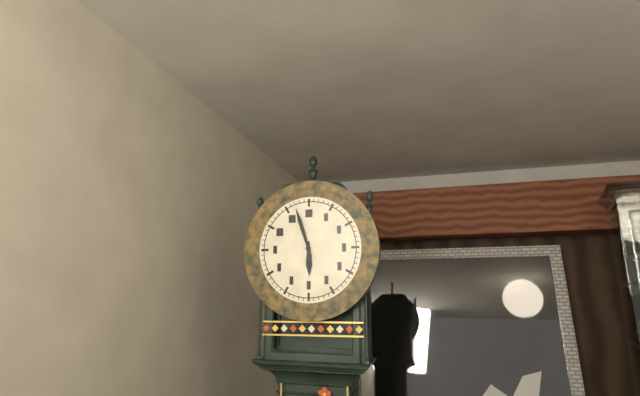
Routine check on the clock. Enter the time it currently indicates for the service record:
5:57
